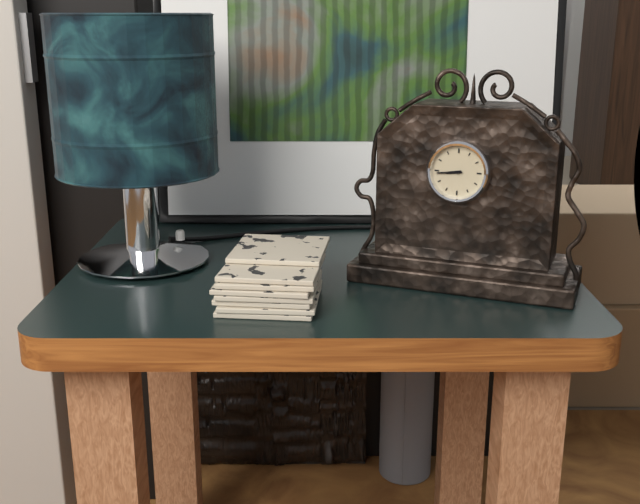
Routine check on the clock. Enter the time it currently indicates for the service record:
8:44
